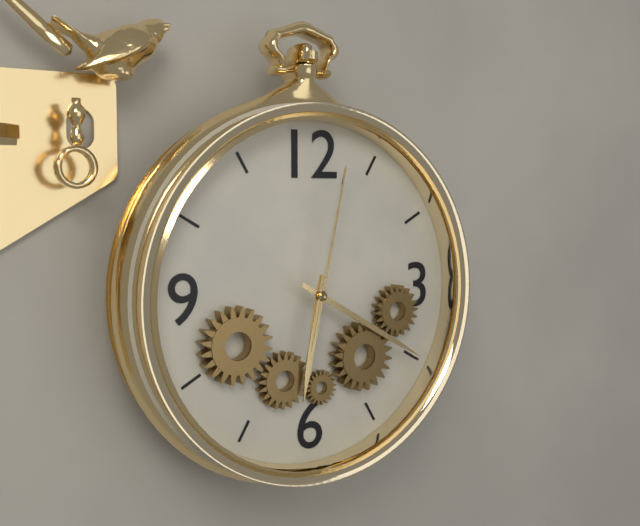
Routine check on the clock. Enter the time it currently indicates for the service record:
6:20:02
